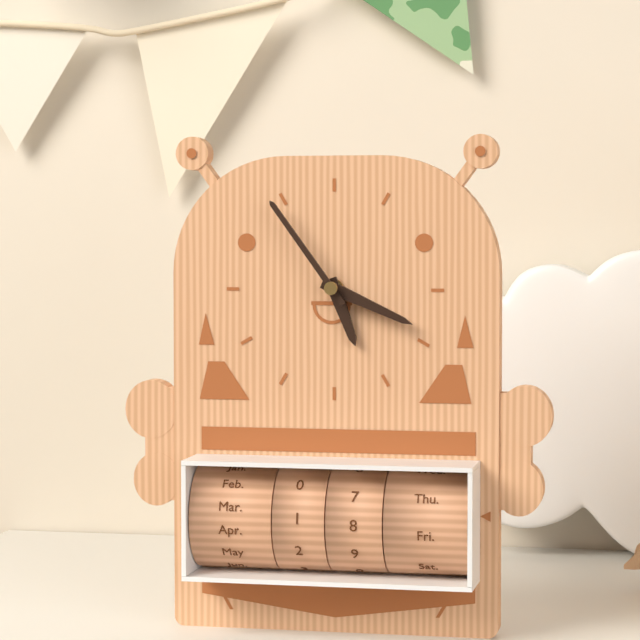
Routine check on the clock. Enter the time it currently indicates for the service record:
5:19:54
